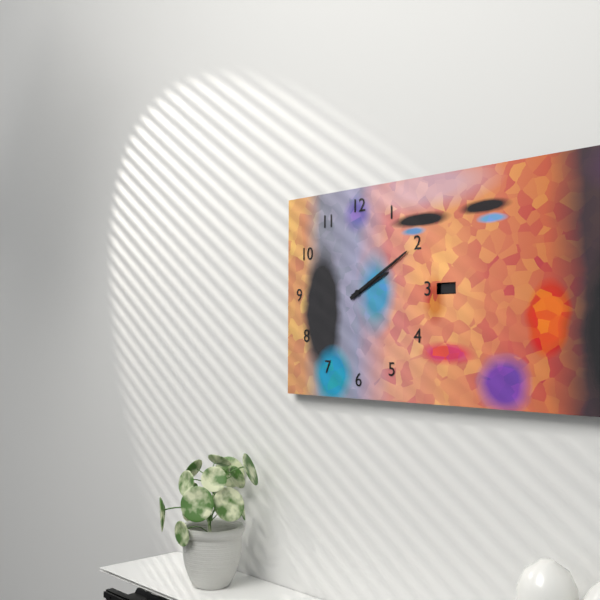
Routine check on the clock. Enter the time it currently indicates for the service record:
2:10
